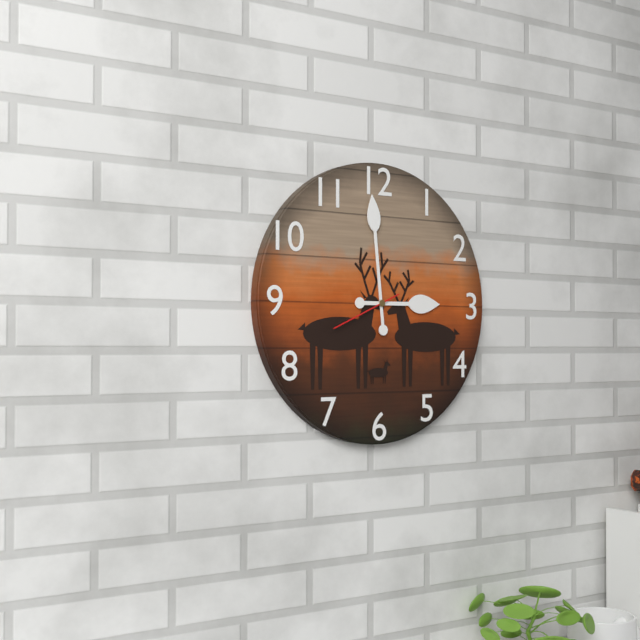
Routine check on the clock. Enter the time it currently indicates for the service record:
2:59:41
